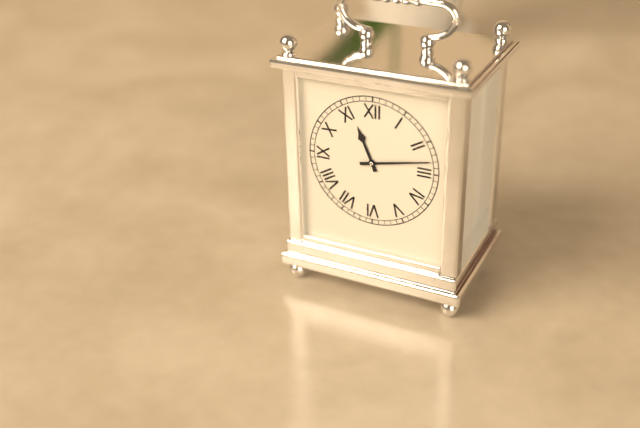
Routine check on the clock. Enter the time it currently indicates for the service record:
11:13
